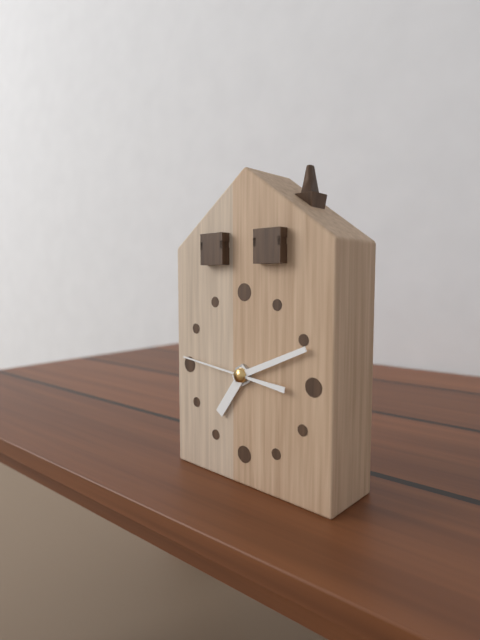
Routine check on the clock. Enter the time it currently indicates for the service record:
7:11:46
